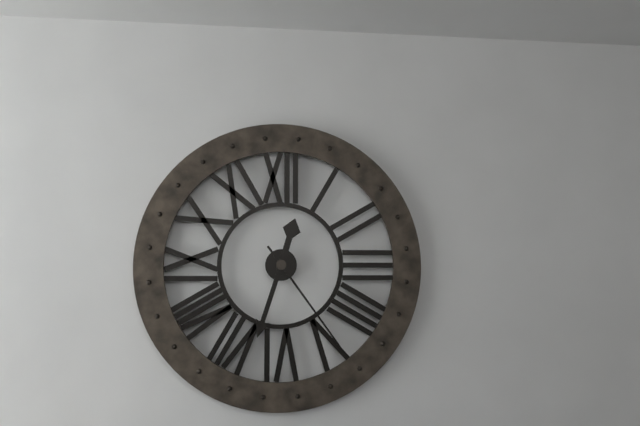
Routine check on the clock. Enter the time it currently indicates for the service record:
12:33:24
